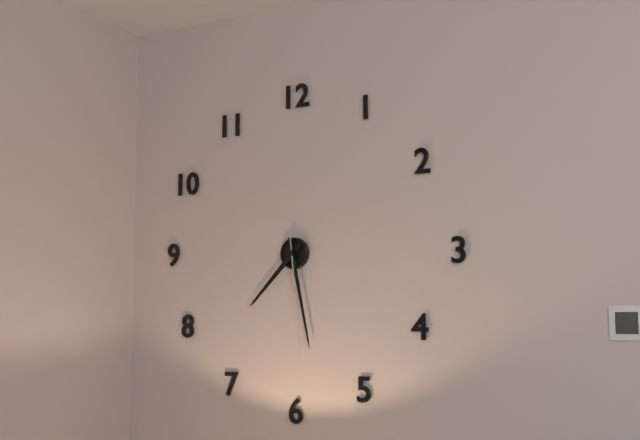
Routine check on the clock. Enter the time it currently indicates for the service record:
7:28:29
